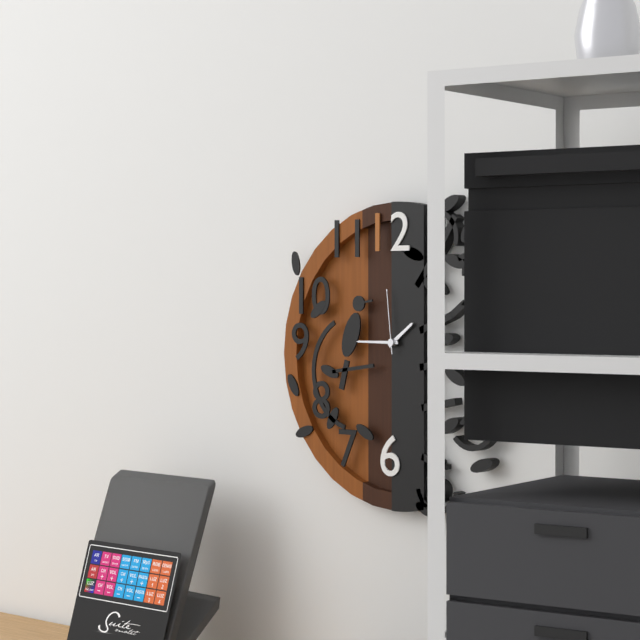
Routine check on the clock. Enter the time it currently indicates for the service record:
1:45:59
